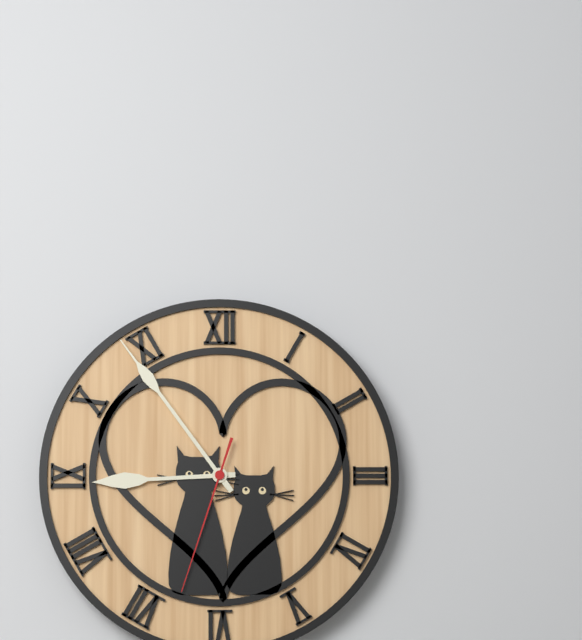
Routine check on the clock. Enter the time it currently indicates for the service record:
8:54:33
